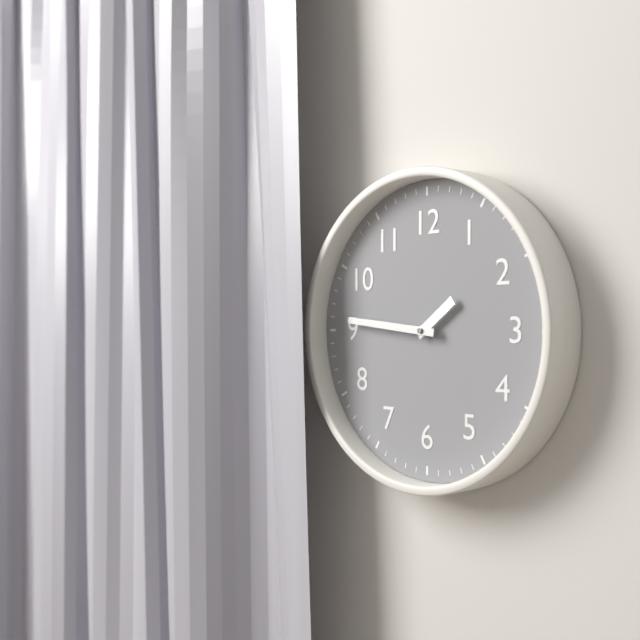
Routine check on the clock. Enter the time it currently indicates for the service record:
1:46
